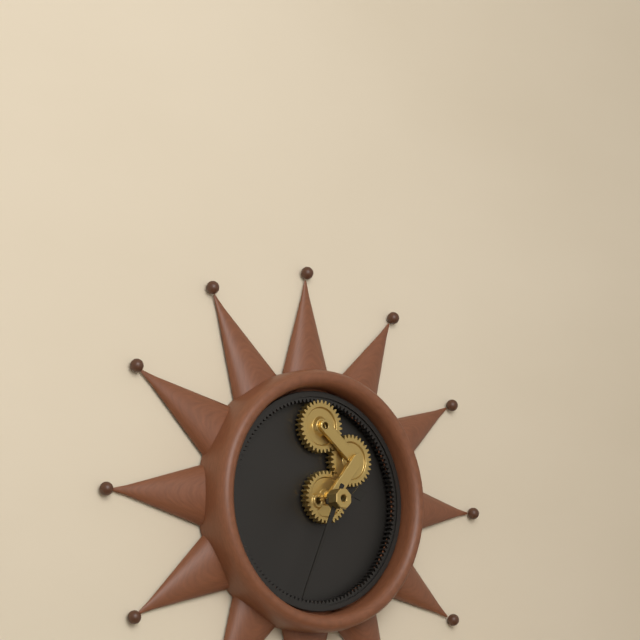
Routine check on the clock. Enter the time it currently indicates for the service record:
2:34
